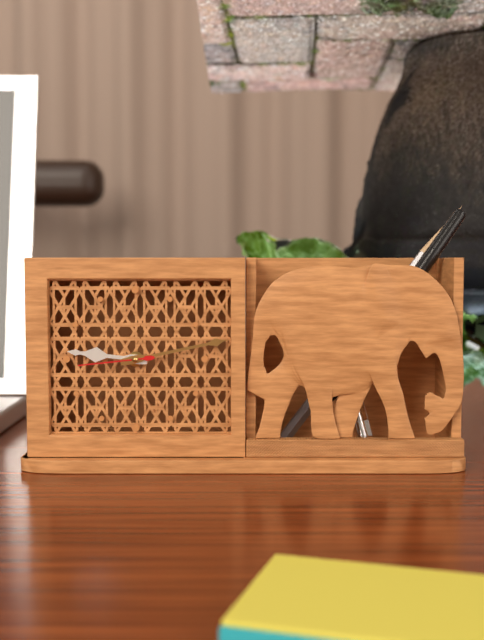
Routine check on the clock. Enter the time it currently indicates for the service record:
9:13:44
